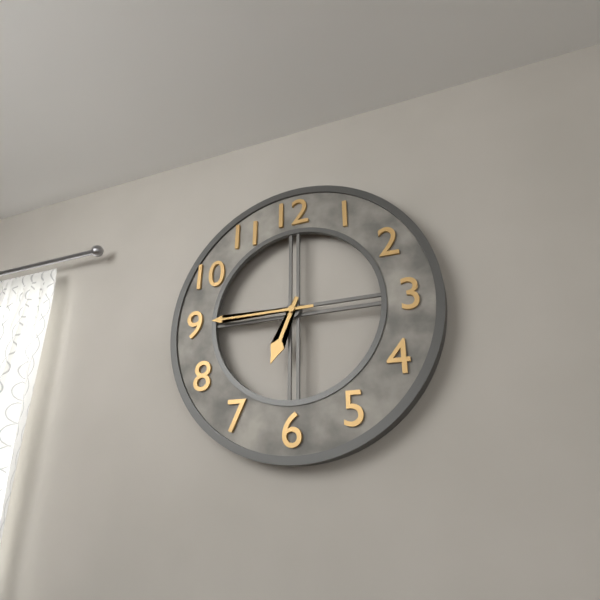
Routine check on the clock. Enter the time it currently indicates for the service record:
6:45
